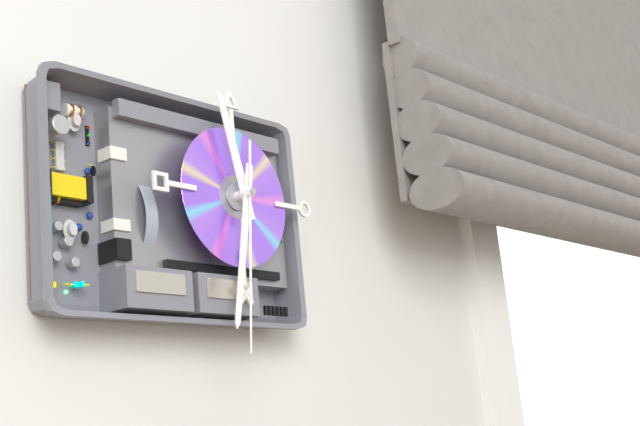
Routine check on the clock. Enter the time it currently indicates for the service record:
11:32:31
